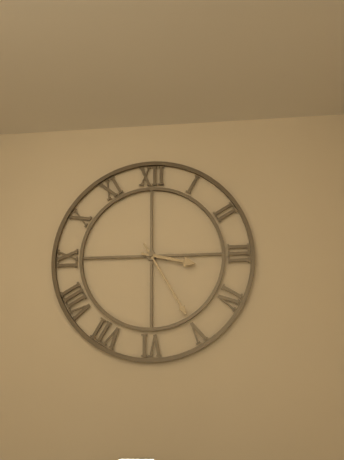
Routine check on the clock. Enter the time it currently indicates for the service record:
3:25
